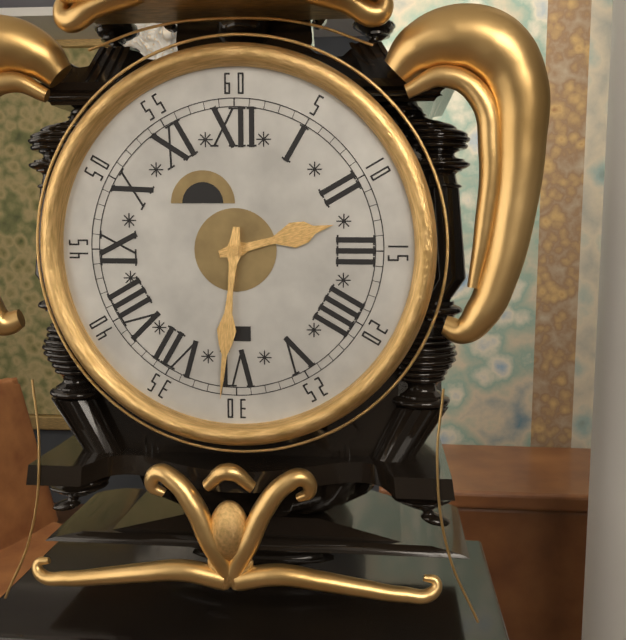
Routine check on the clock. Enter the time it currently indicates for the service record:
2:31
